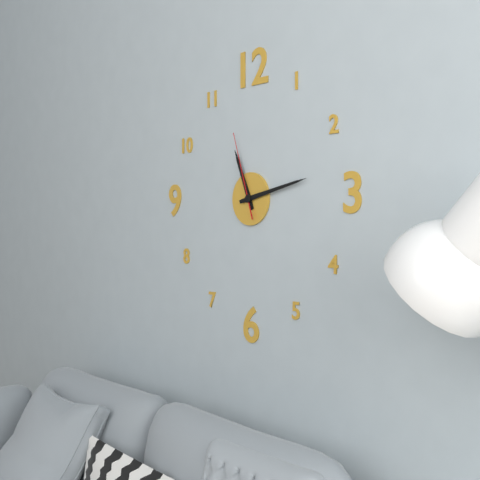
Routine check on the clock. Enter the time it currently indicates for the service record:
11:13:57
